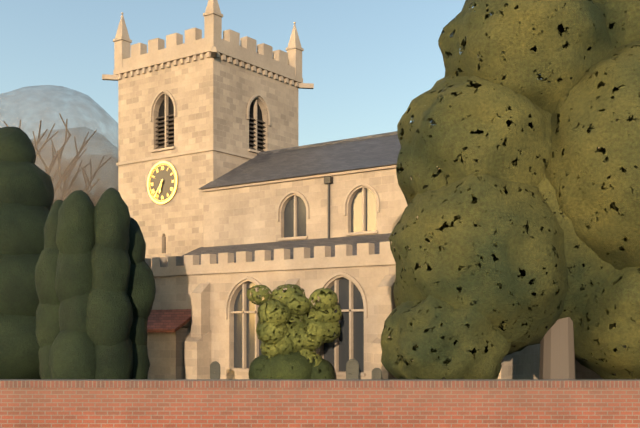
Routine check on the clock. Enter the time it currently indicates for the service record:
6:36
